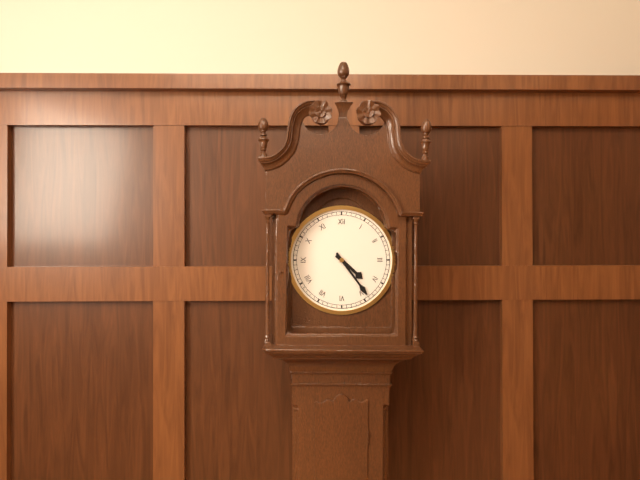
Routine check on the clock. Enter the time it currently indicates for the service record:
4:24
